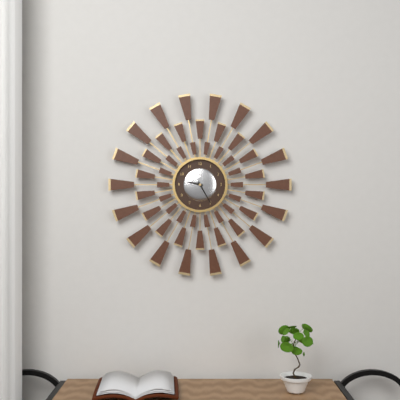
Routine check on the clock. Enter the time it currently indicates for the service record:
9:25
